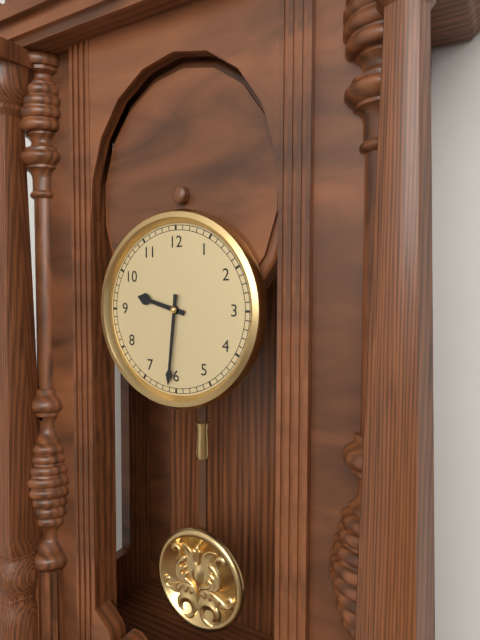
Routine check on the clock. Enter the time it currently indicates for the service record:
9:31
